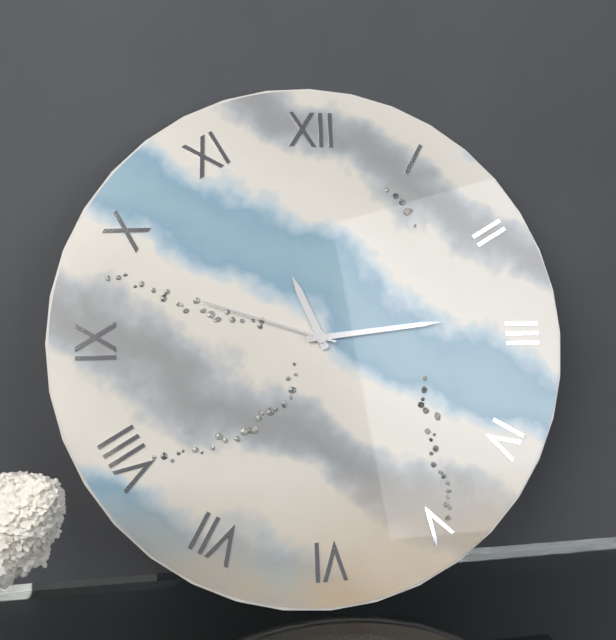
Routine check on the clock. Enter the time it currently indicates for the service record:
11:14:48
